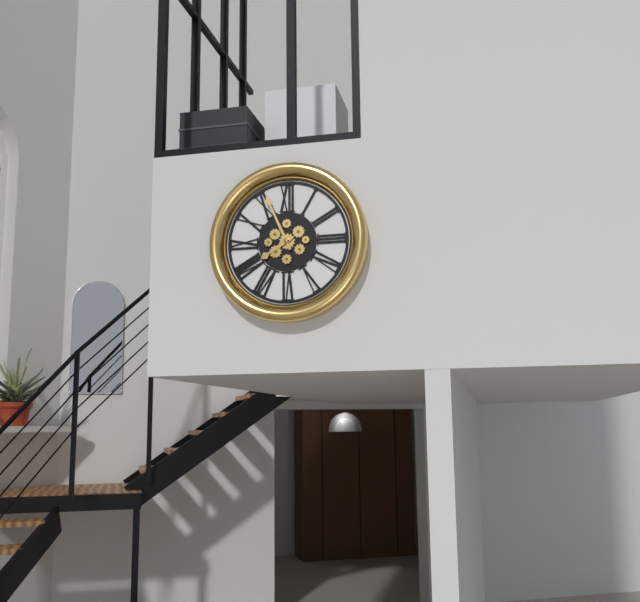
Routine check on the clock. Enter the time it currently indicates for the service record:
7:56
